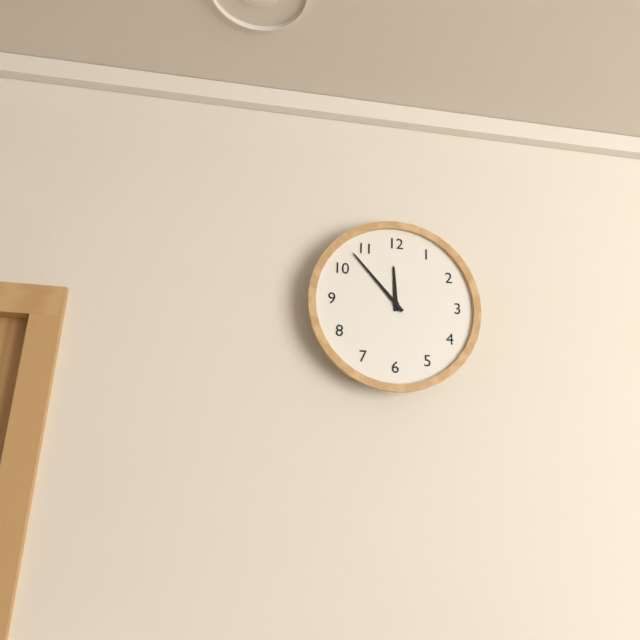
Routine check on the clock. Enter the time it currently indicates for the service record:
11:53
